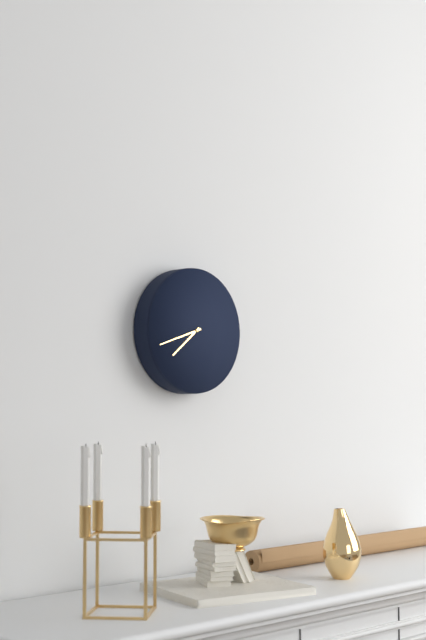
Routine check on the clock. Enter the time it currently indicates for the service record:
7:42
